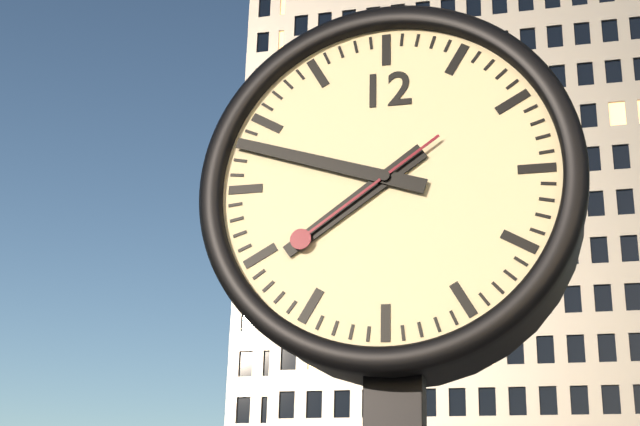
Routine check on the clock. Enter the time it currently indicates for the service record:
7:48:39
